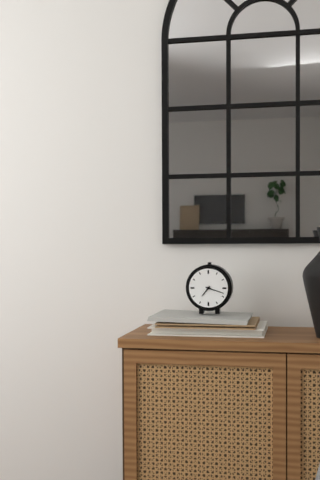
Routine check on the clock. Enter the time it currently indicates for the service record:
7:18
